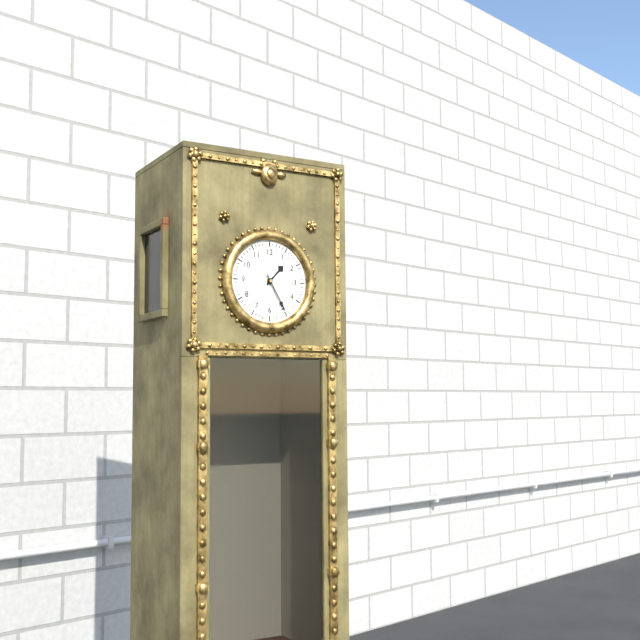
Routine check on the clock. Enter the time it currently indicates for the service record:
1:25
